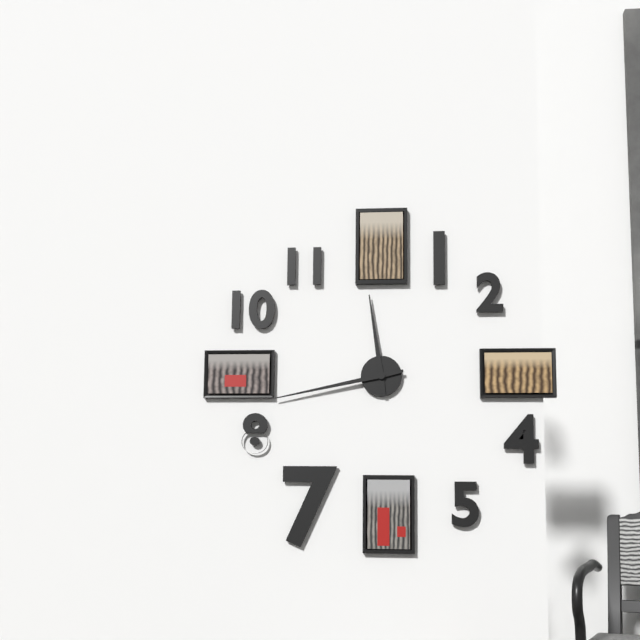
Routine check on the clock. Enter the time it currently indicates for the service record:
11:43
